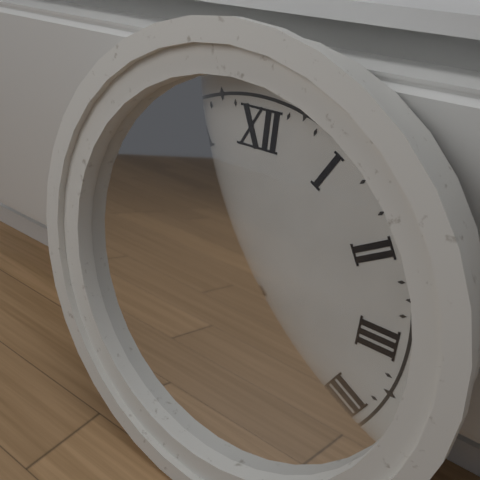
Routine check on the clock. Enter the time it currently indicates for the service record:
9:22
